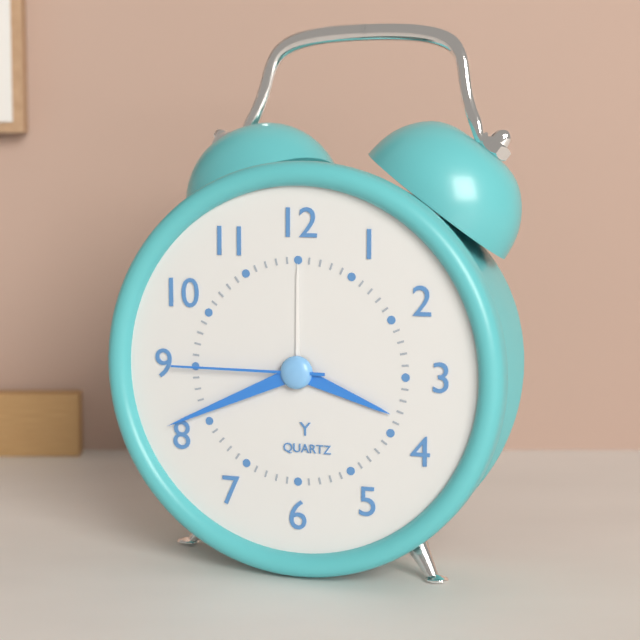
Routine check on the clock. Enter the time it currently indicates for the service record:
3:41:45
